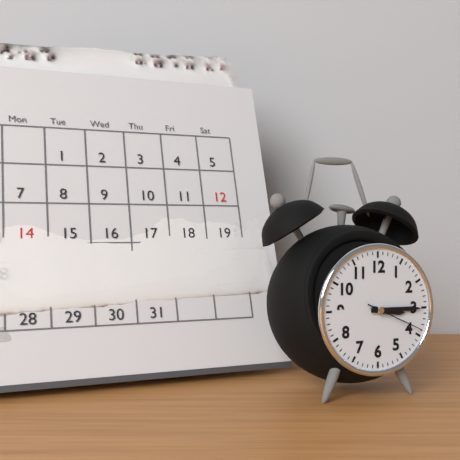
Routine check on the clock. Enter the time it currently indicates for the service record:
3:15:19
